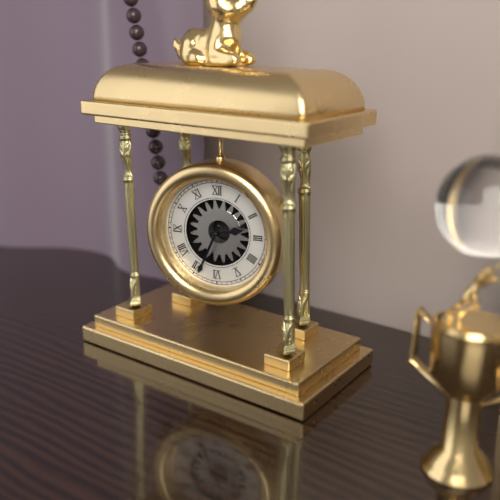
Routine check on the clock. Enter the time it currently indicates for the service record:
2:34
